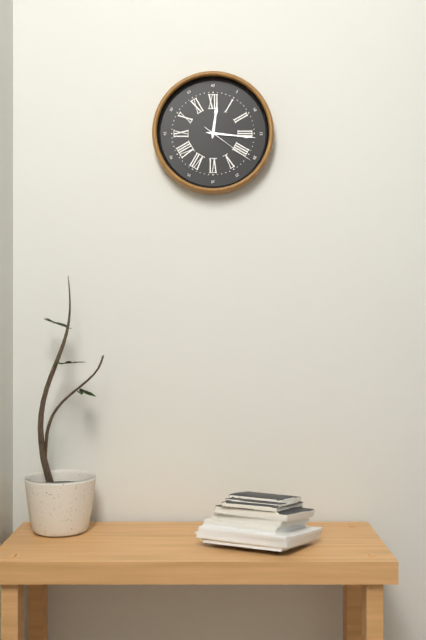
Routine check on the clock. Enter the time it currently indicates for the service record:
12:16:21
